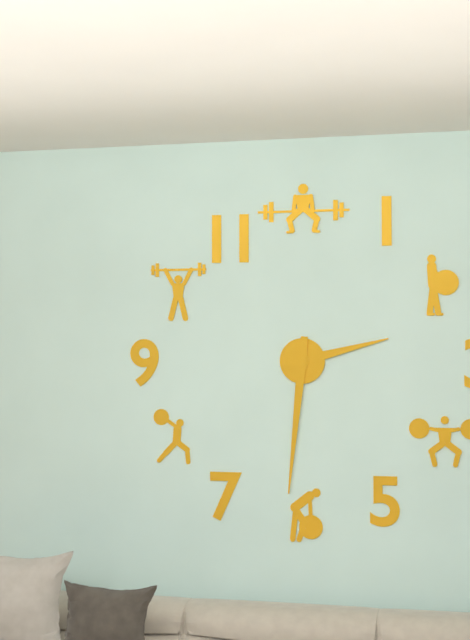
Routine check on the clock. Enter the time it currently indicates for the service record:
2:31
